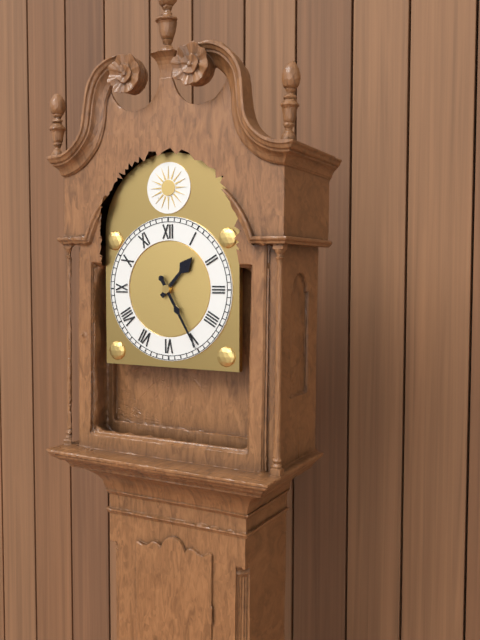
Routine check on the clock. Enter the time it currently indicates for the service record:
1:25
